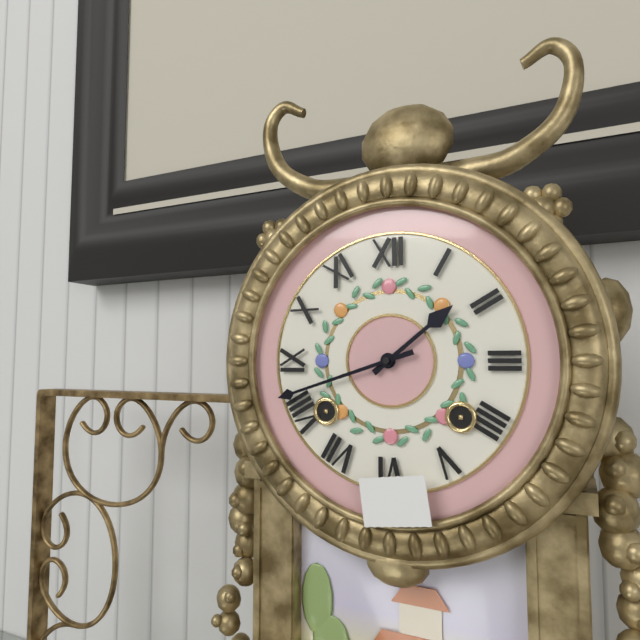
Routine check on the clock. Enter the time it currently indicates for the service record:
1:42
